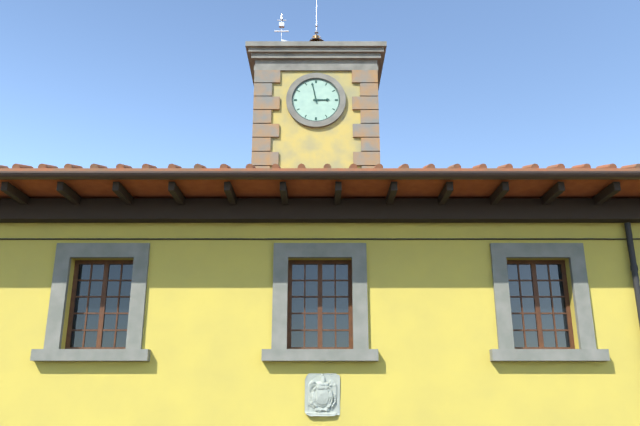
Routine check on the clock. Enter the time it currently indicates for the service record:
2:58
